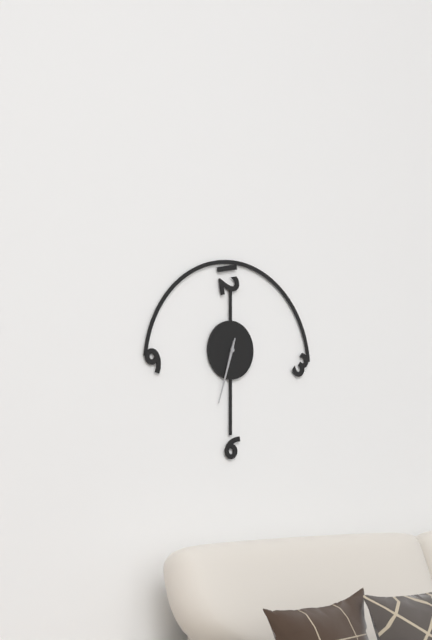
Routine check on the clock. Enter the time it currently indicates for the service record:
6:33
